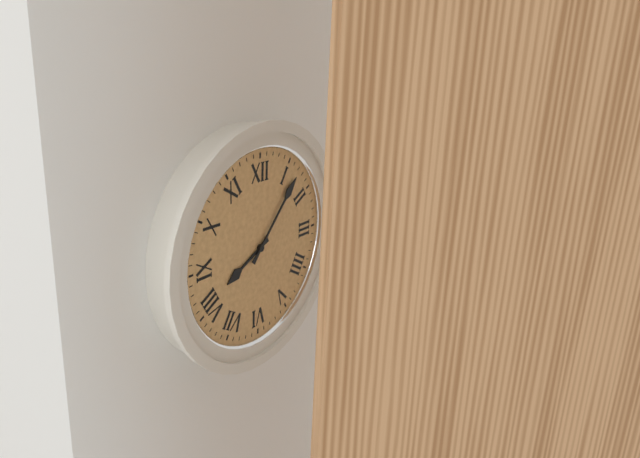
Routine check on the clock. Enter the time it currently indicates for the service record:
8:07
